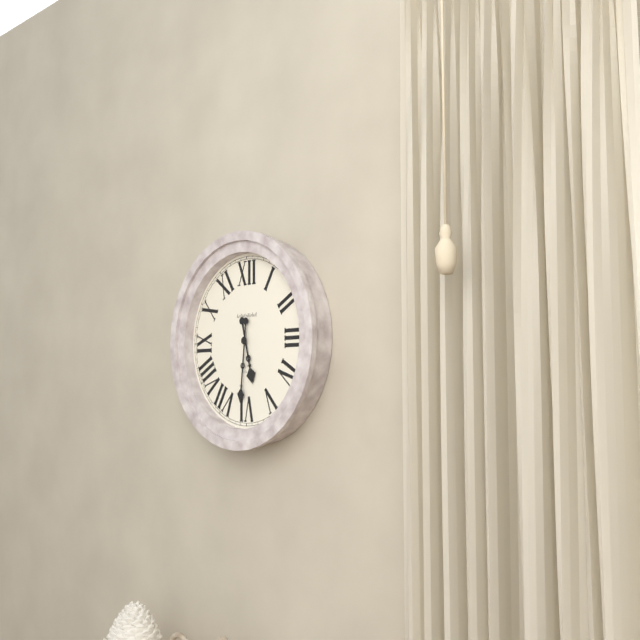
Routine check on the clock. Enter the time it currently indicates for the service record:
5:31
